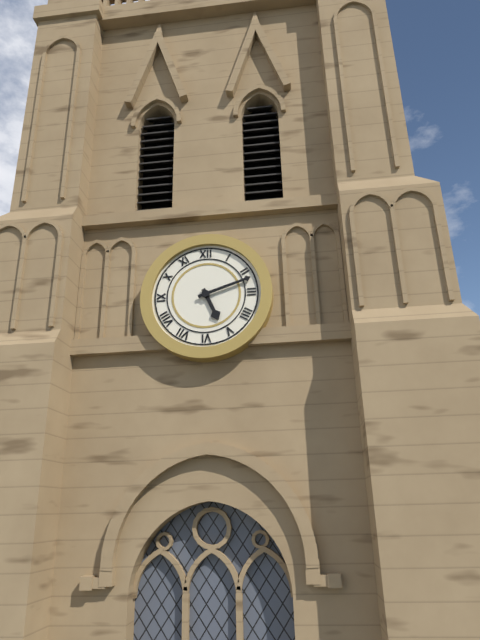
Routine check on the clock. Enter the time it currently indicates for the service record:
5:12
